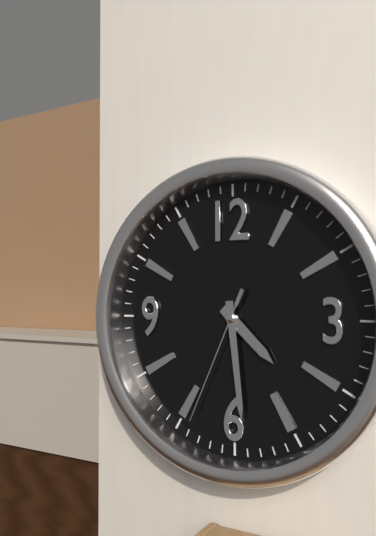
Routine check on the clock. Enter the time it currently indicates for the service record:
4:29:34
